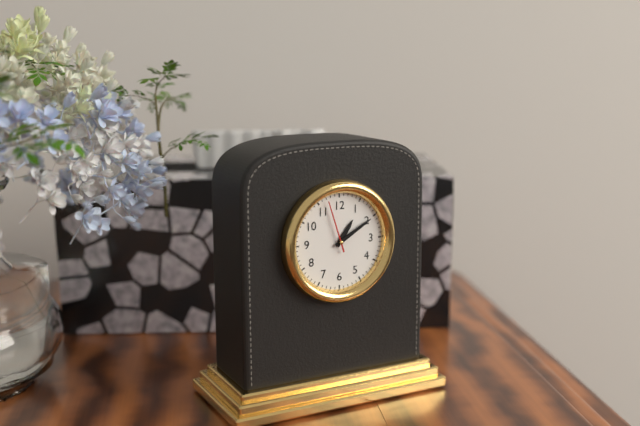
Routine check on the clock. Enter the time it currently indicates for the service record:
1:10:57
